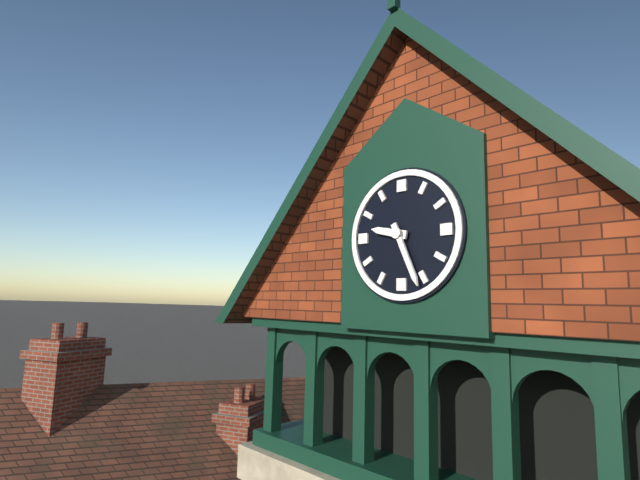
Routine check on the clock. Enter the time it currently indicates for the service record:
9:26
